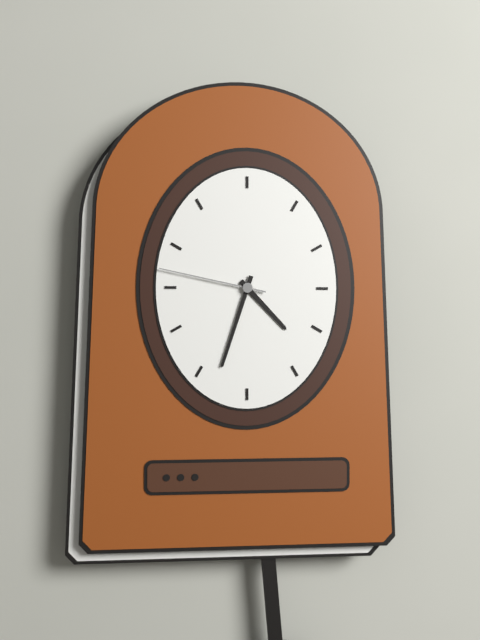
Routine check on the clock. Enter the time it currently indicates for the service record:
4:33:47
